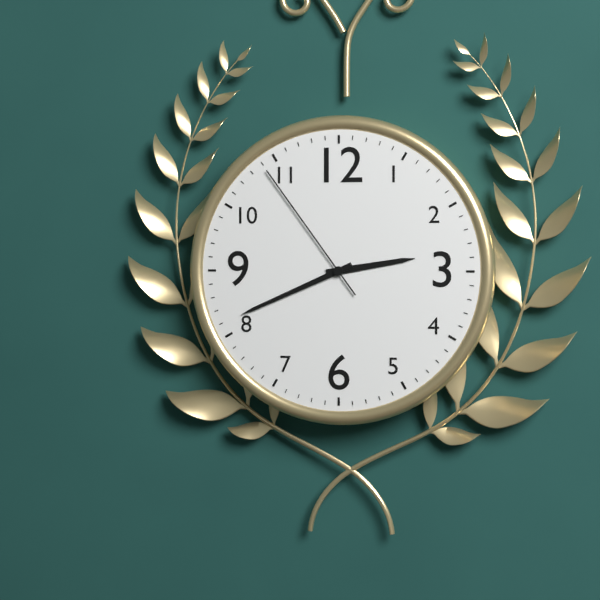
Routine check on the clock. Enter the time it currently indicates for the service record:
2:41:54
